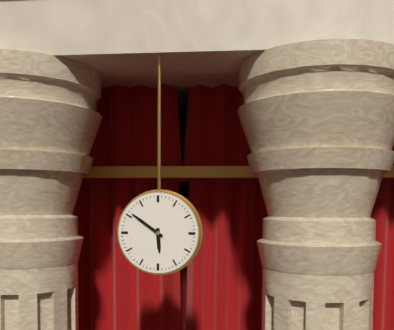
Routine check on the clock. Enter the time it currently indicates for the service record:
5:51
